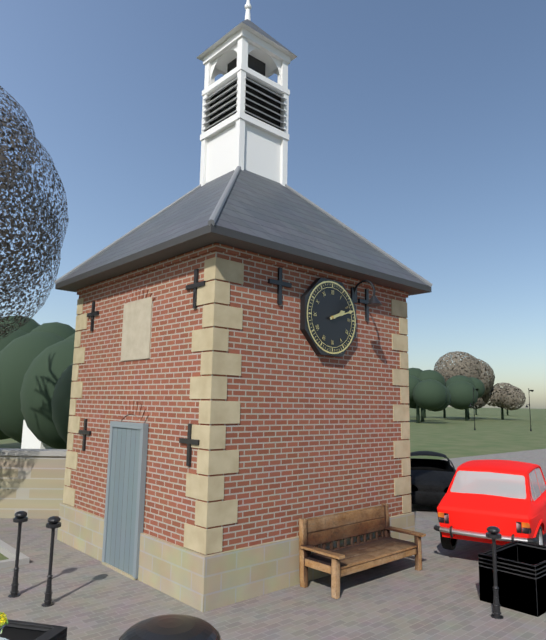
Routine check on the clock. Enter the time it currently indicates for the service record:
2:12
